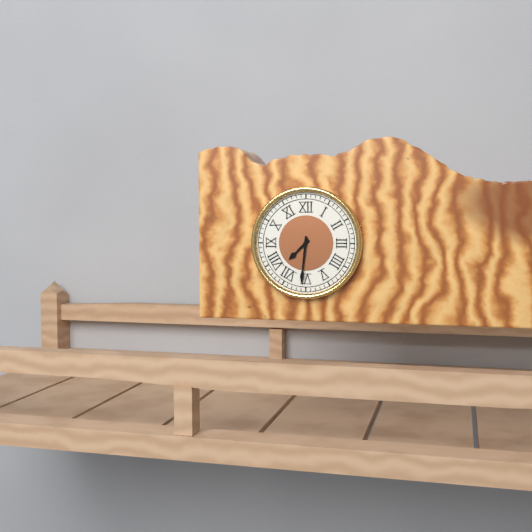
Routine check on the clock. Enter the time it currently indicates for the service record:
7:31
